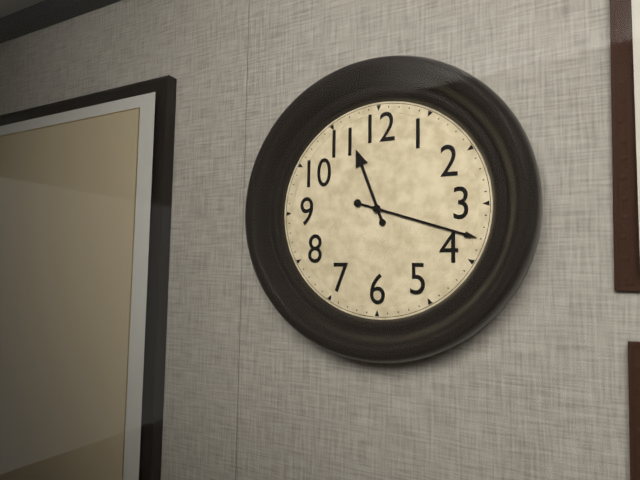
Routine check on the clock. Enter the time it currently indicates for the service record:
11:18
